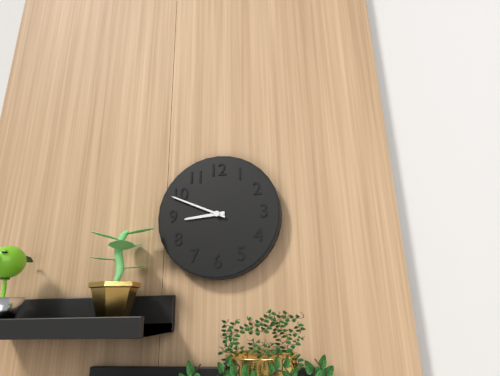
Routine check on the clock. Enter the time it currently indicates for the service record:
8:49
